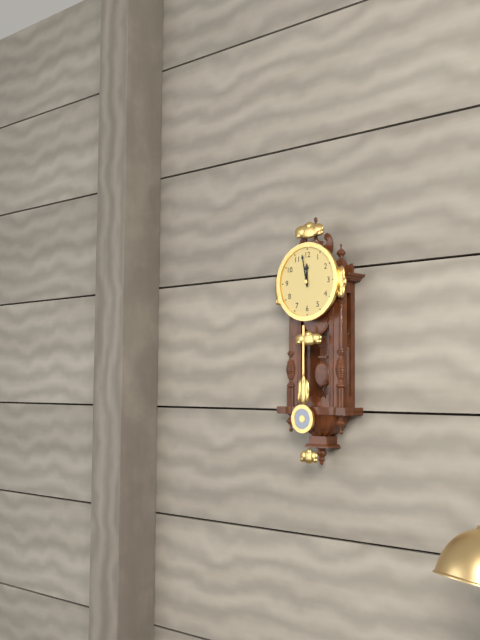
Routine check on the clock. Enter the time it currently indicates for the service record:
11:58
